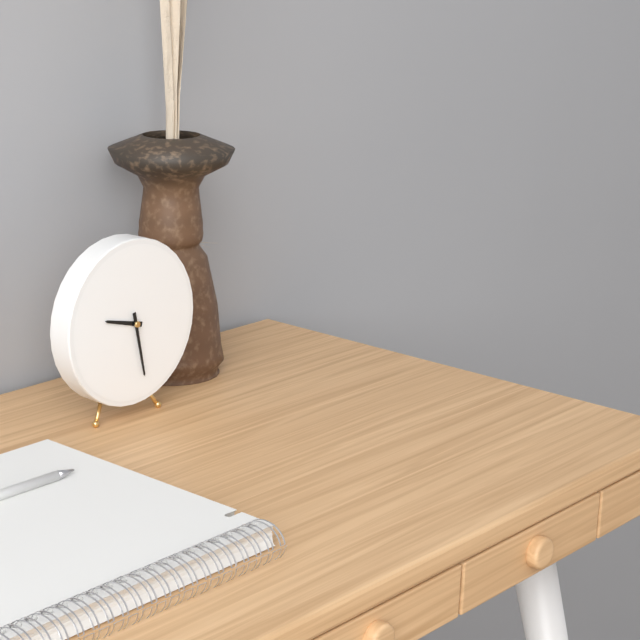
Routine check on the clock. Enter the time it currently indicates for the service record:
9:28
